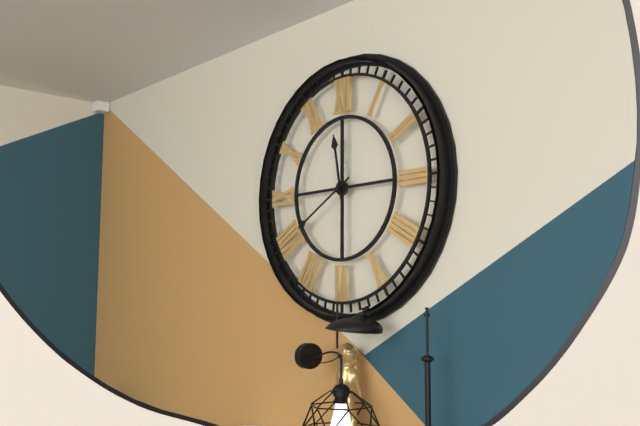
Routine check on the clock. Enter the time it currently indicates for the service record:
11:40
